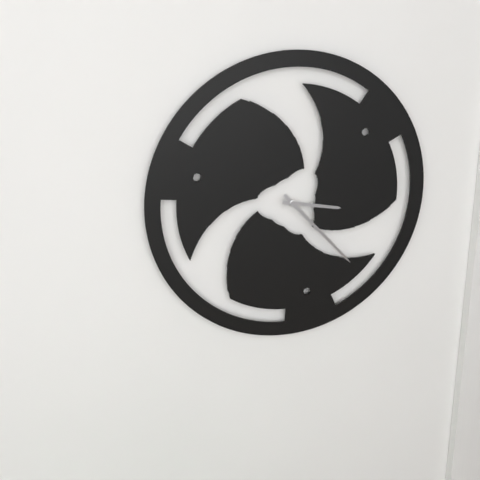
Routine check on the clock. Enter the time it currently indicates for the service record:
3:23
